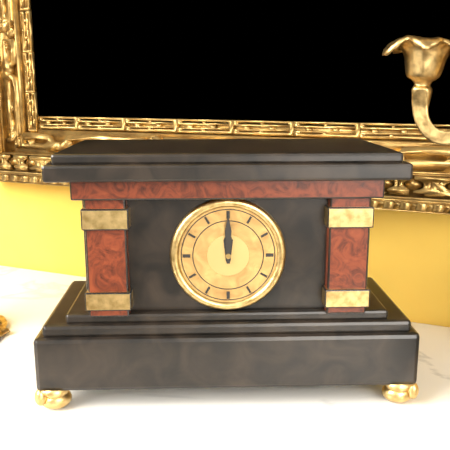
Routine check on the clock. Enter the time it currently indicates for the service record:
12:00
